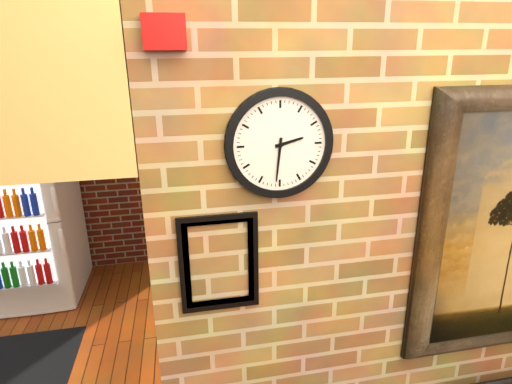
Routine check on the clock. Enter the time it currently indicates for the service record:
2:31
